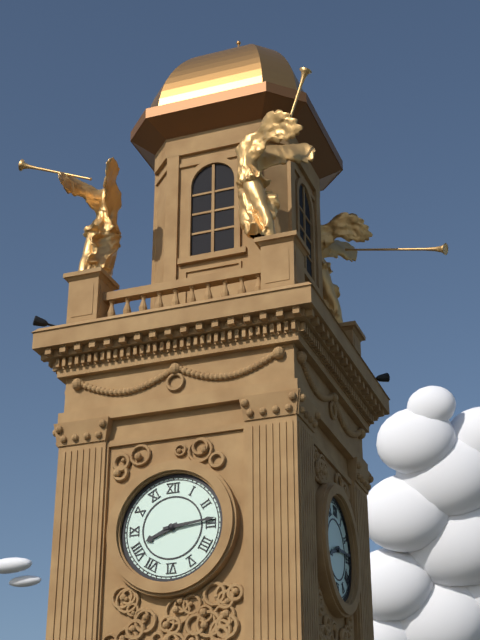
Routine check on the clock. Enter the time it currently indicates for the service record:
8:14
